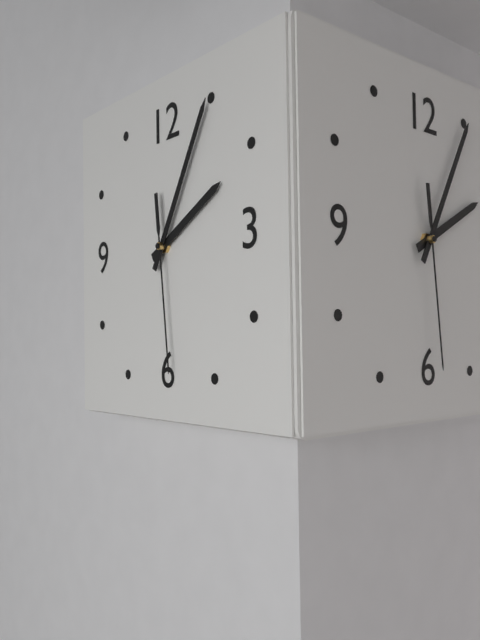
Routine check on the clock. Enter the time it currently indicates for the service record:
2:05:29
